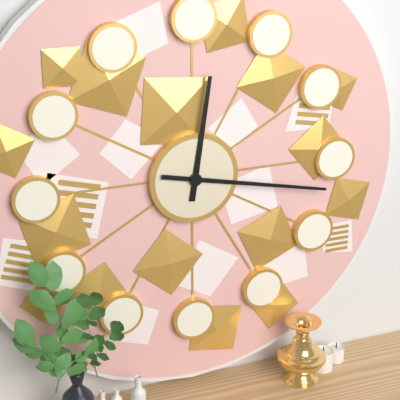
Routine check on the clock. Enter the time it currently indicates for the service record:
12:17
